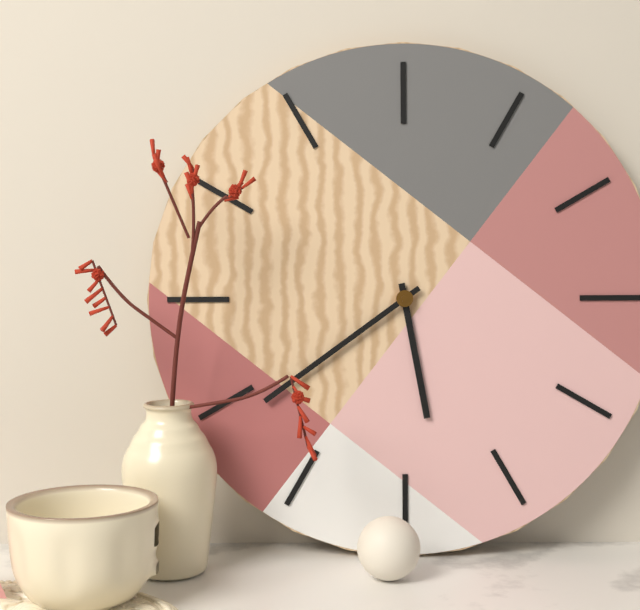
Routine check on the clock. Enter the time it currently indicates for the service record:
5:39
